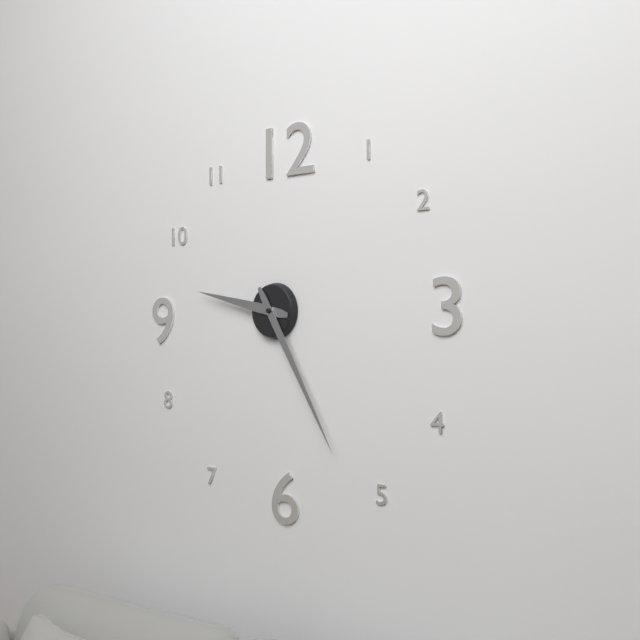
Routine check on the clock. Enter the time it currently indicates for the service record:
9:25
